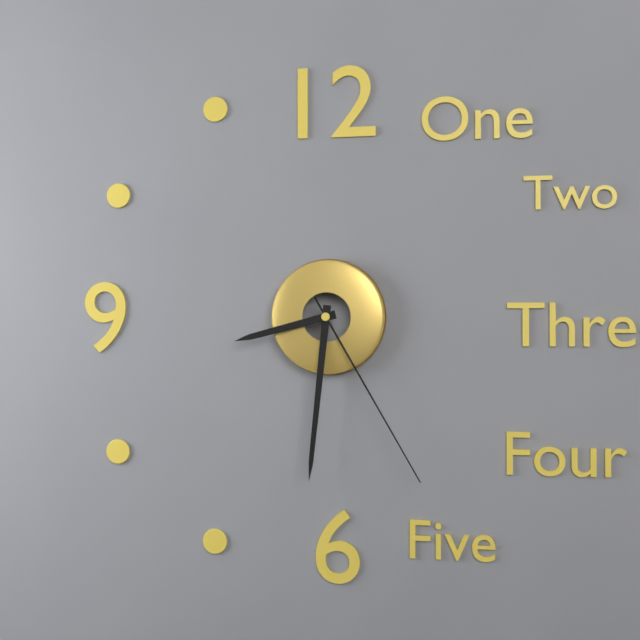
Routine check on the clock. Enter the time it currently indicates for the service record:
8:31:25
